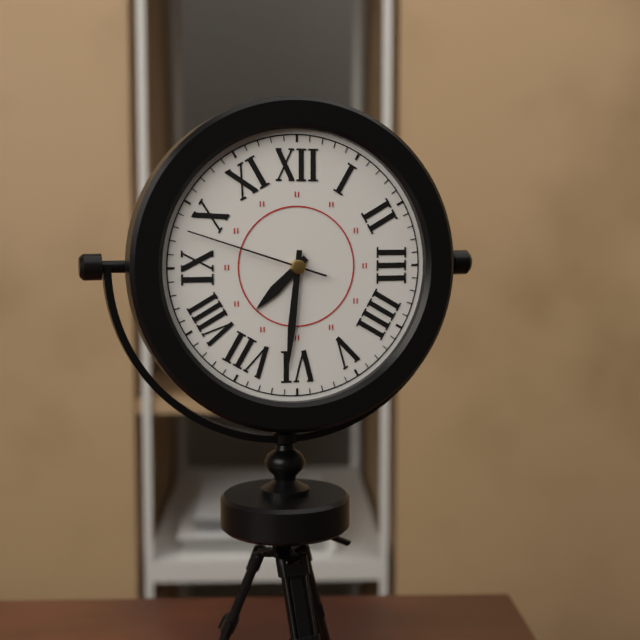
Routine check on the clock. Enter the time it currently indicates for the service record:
7:31:48
